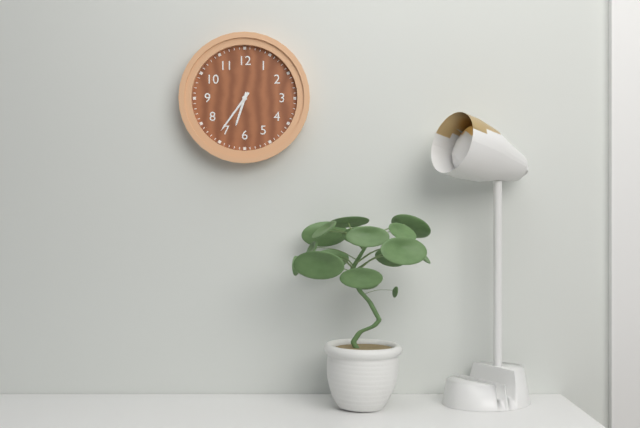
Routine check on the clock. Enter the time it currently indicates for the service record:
6:36
